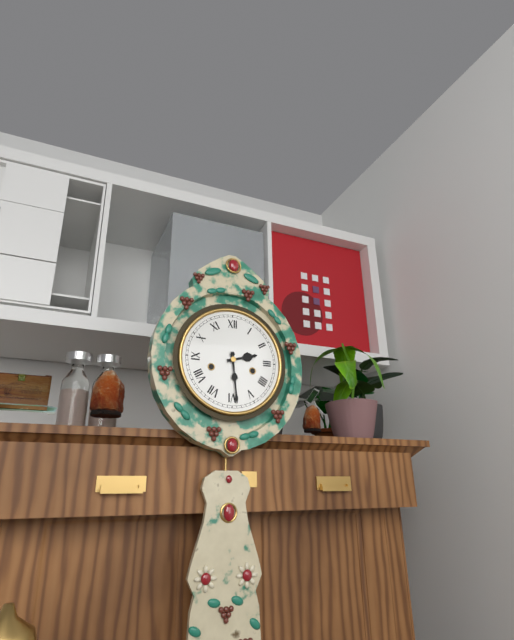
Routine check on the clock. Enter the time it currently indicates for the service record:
2:29
